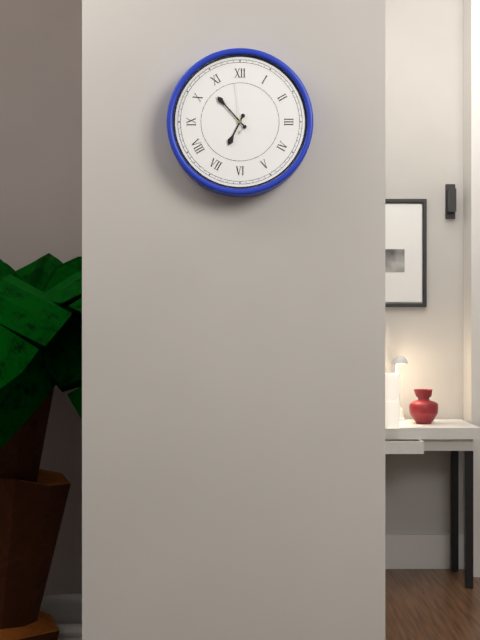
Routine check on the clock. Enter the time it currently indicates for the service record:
6:53:59
